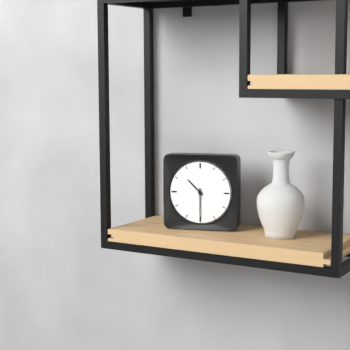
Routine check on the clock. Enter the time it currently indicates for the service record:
10:30
